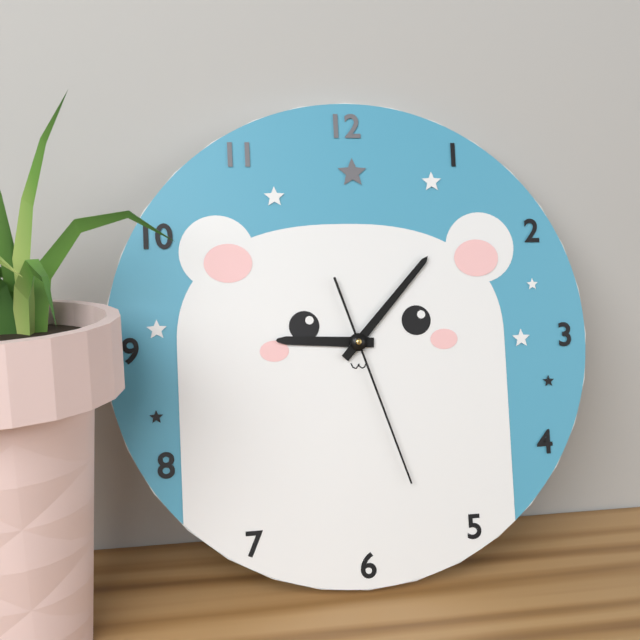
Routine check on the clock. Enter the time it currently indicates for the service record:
9:07:27
